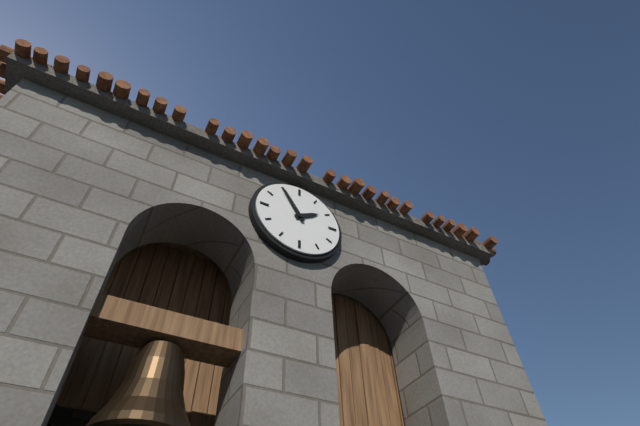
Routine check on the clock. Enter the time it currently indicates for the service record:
1:55
